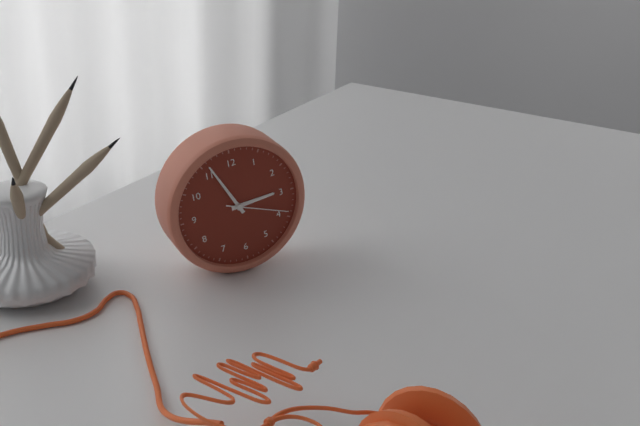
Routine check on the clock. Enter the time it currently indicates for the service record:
2:56:19
